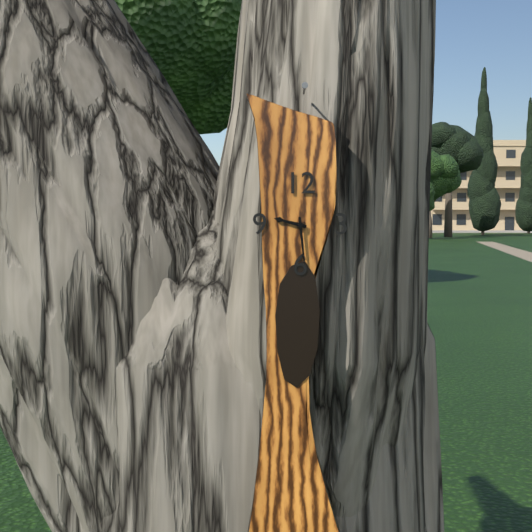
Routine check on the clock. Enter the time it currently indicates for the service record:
9:29
